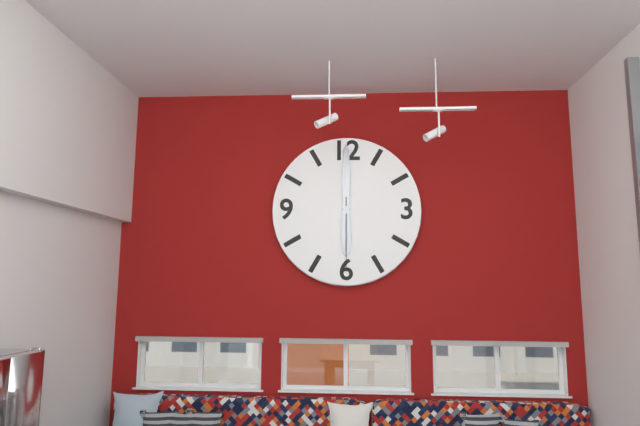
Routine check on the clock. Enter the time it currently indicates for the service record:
6:00:30
